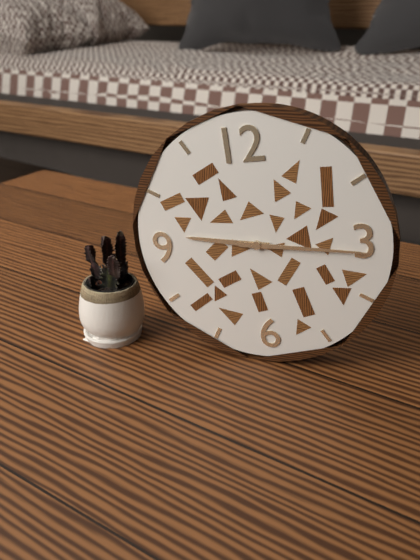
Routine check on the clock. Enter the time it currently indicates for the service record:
9:16
